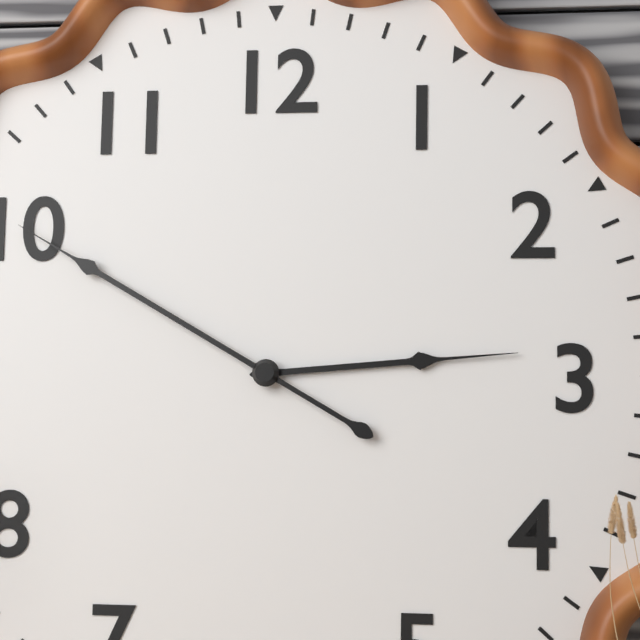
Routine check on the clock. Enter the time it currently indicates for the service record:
2:50
